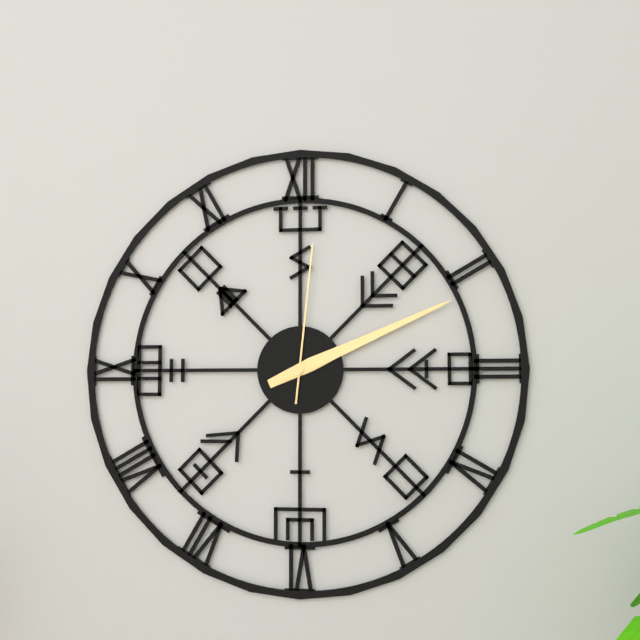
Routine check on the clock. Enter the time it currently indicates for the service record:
2:11:01
